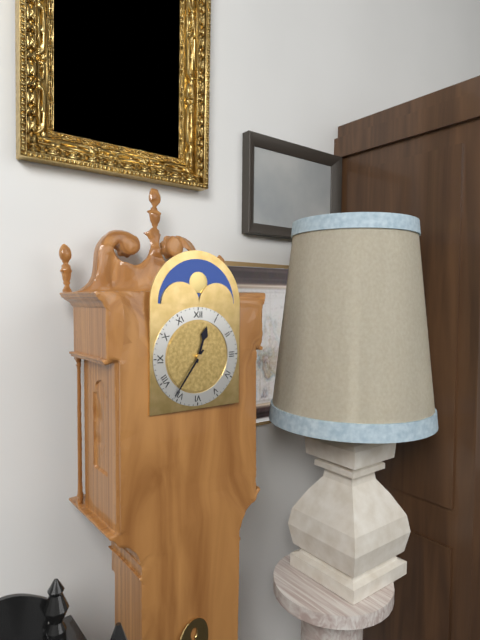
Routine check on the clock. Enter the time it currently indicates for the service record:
12:36
